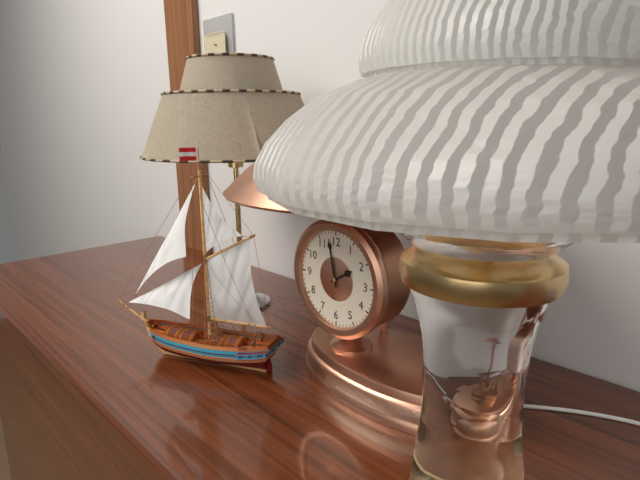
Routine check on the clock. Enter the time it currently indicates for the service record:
1:58
